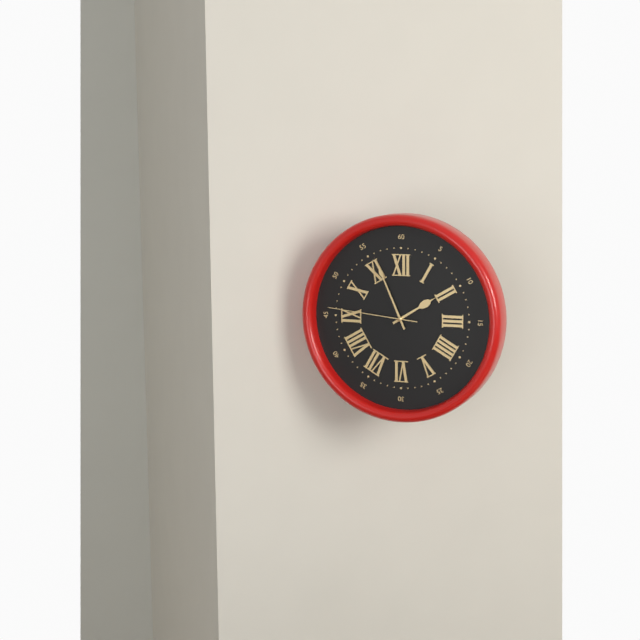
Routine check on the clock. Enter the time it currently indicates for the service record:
1:56:46
